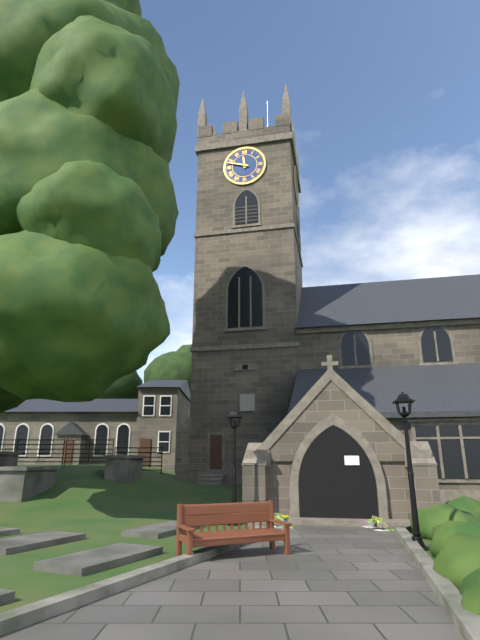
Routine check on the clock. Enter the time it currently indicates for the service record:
11:48
